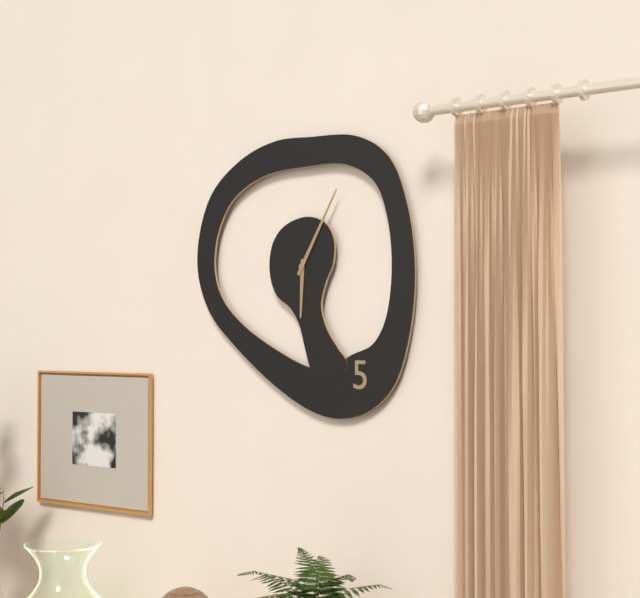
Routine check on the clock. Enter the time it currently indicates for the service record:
6:05
